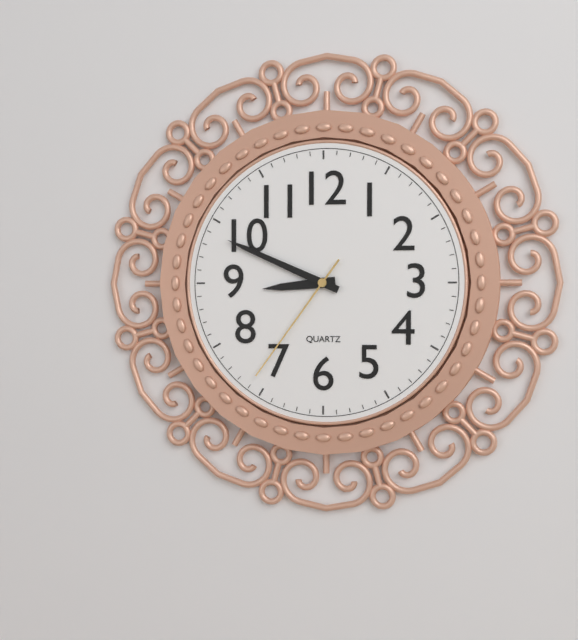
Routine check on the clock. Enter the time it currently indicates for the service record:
8:49:36
